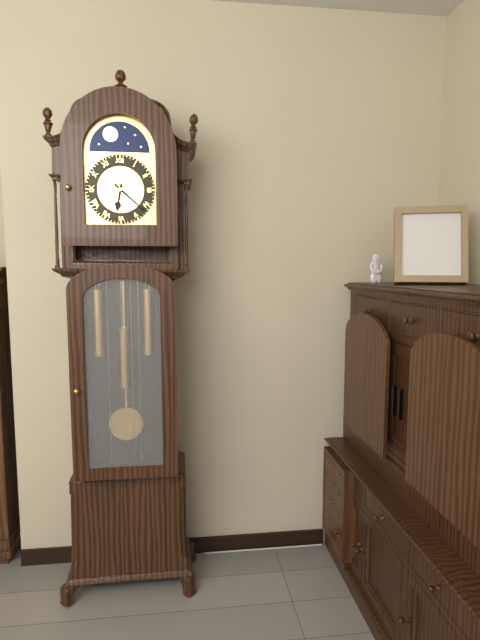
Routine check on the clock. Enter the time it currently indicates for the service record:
6:22
